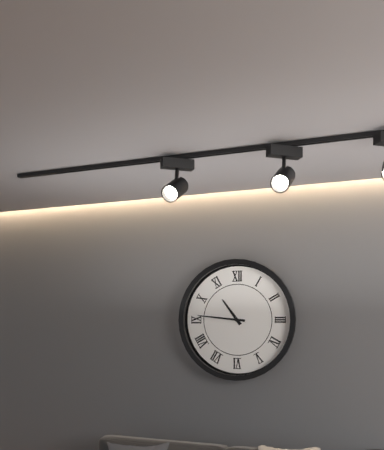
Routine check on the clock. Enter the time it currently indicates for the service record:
10:46
